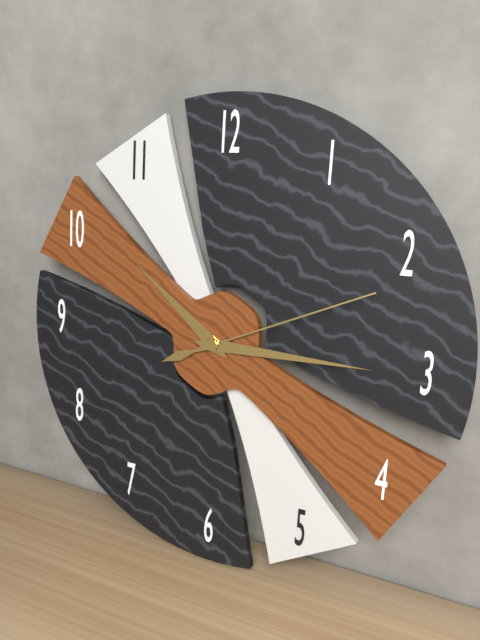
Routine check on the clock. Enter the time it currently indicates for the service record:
10:15:11
